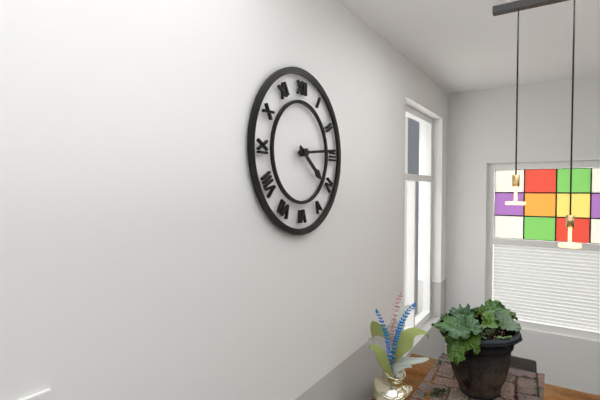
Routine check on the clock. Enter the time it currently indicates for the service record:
4:14
